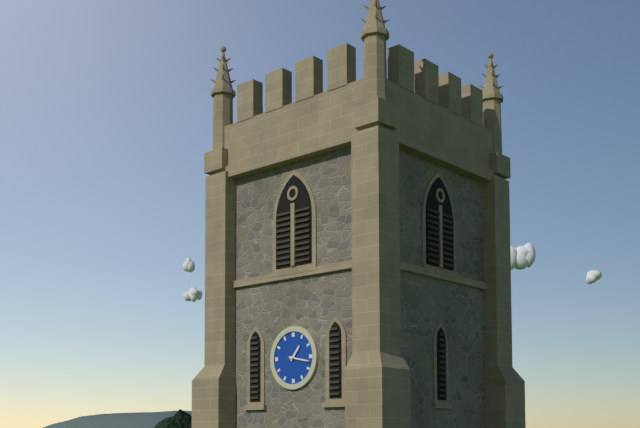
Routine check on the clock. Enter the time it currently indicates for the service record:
1:17
